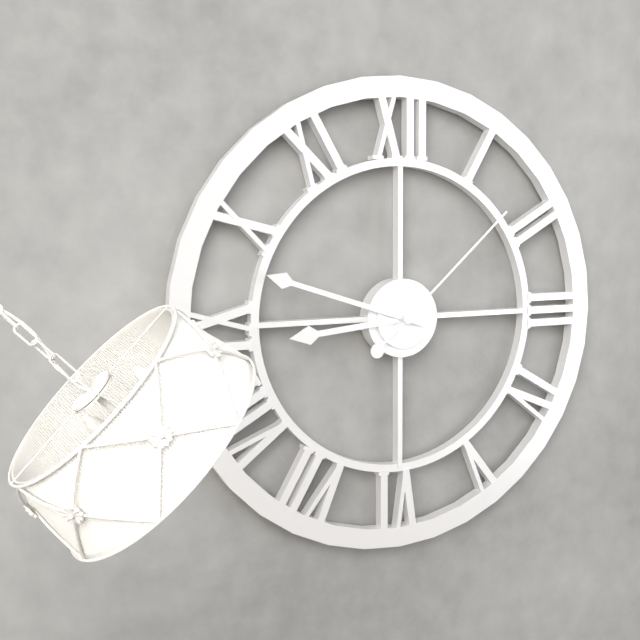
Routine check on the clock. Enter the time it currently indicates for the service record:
8:48:08
